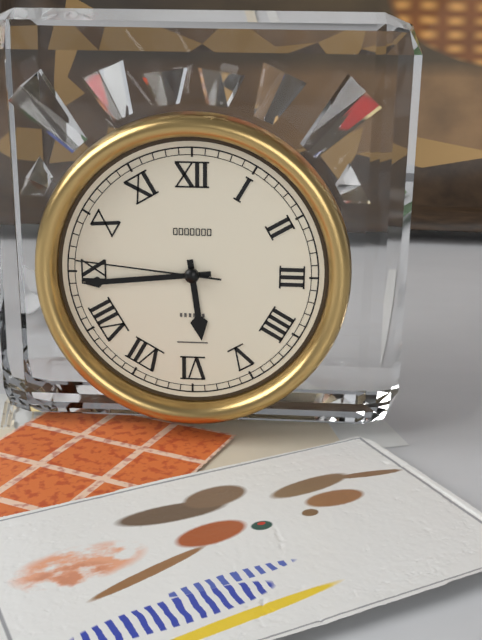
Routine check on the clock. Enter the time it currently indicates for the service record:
5:44:46
